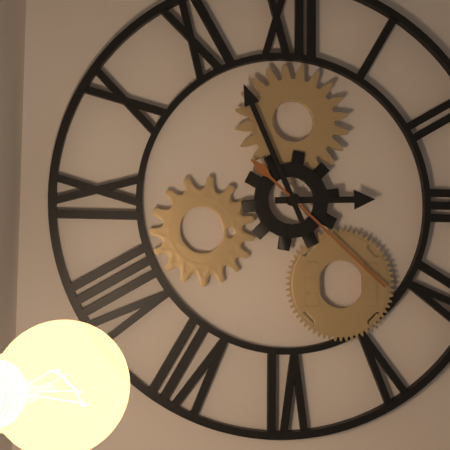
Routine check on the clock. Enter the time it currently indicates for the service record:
2:56:22
